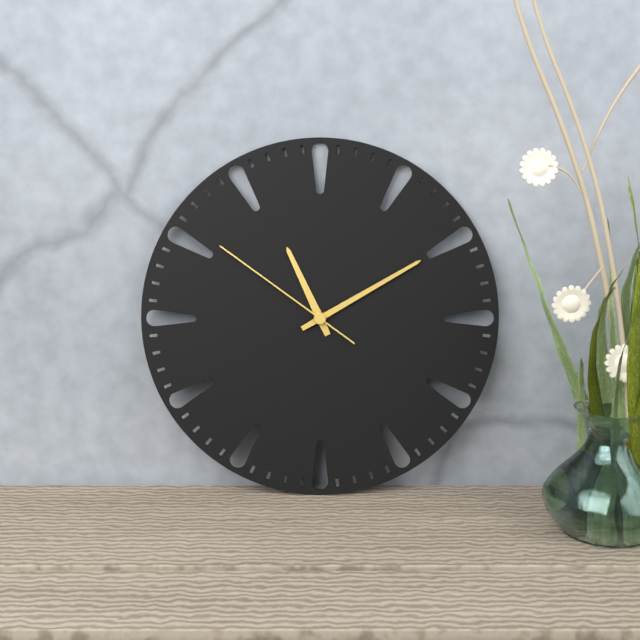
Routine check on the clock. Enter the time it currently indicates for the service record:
11:10:51
